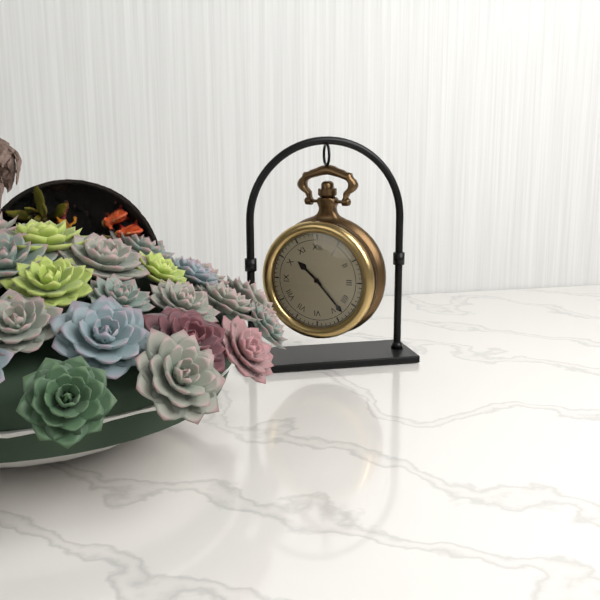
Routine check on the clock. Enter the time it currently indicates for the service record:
10:23
